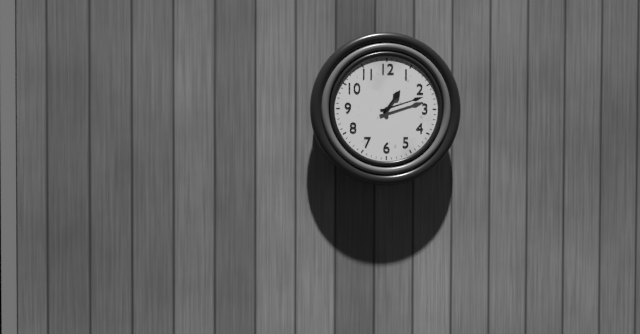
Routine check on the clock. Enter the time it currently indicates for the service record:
1:12
